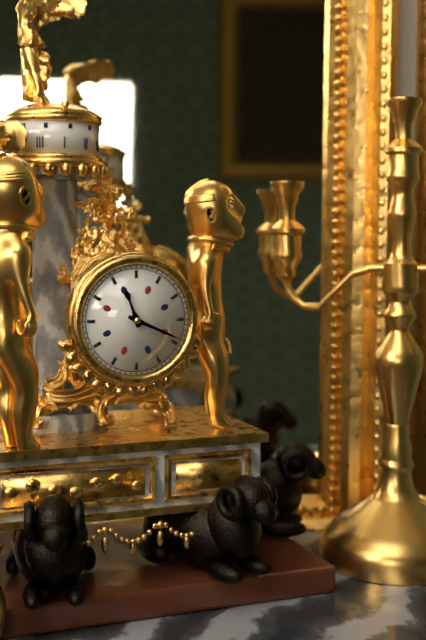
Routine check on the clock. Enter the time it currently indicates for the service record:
11:19
